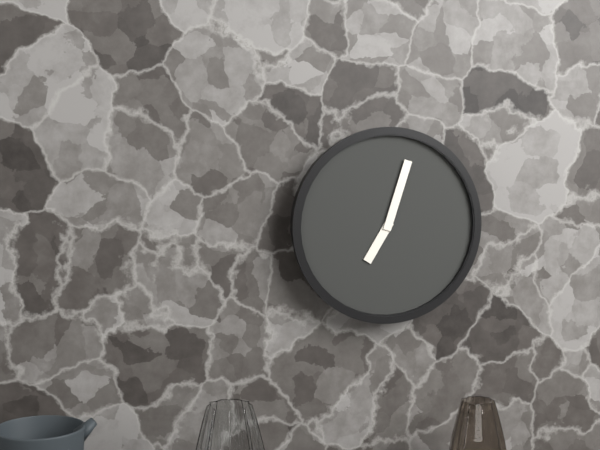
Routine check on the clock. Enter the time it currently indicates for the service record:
7:03
